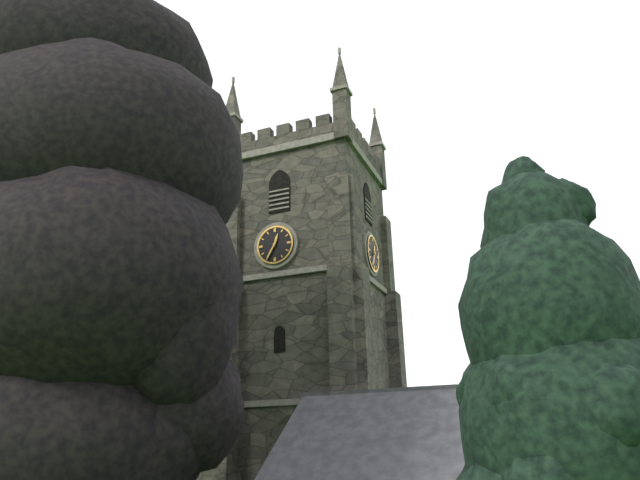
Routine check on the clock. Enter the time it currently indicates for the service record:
12:35
